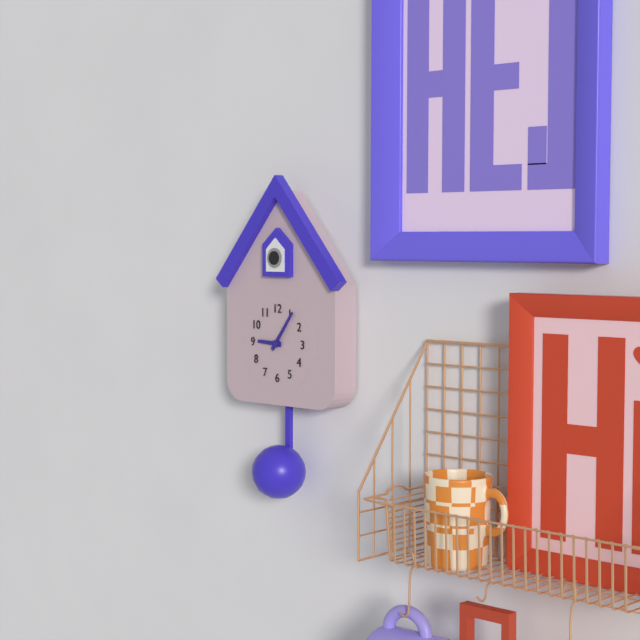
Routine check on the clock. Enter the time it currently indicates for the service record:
9:06
